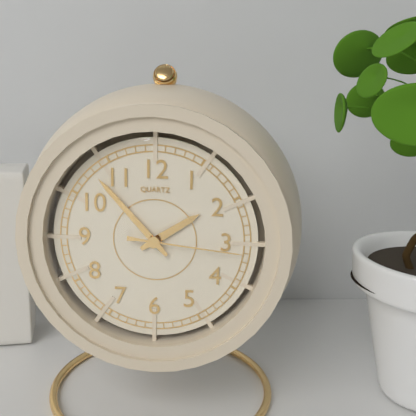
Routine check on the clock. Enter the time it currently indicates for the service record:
1:53:16
